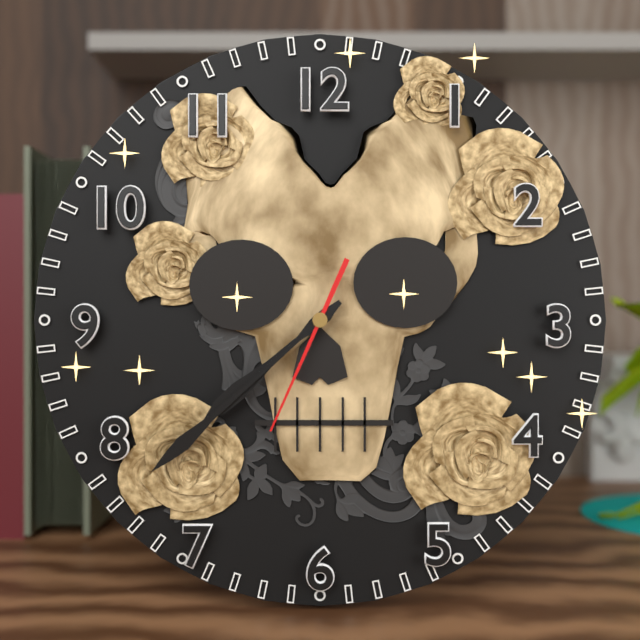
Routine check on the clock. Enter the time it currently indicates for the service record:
7:38:34
